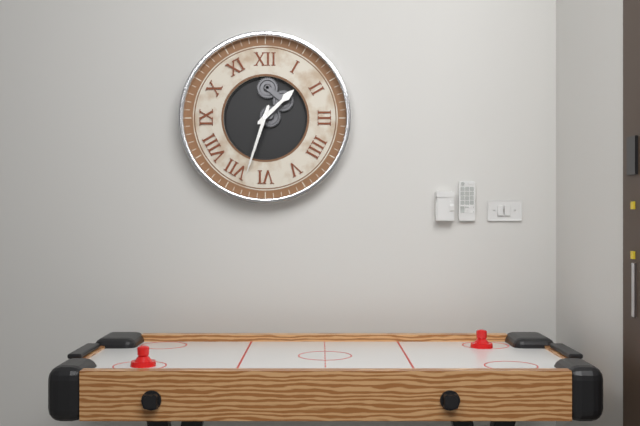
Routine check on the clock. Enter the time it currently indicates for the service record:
1:33
